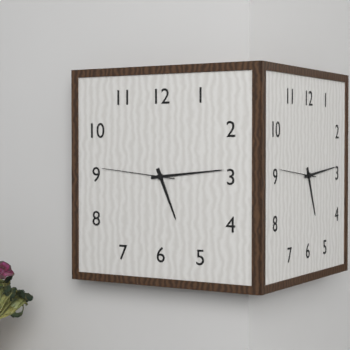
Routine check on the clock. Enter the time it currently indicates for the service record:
5:14:46
